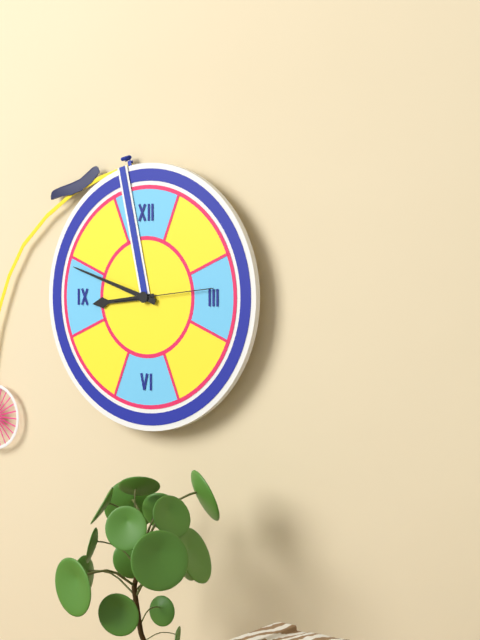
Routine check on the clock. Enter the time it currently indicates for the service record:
8:48:14
